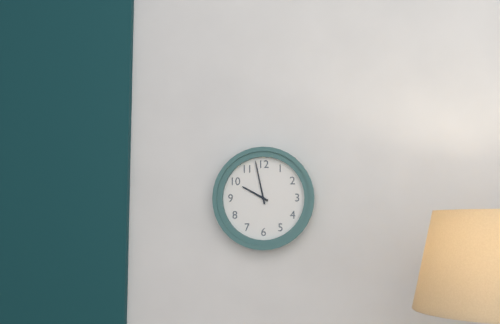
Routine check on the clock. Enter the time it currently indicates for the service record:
9:58
